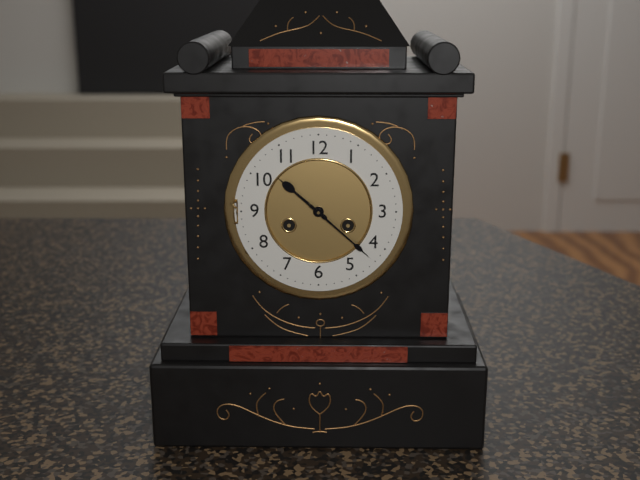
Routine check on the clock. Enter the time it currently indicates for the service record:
10:22
